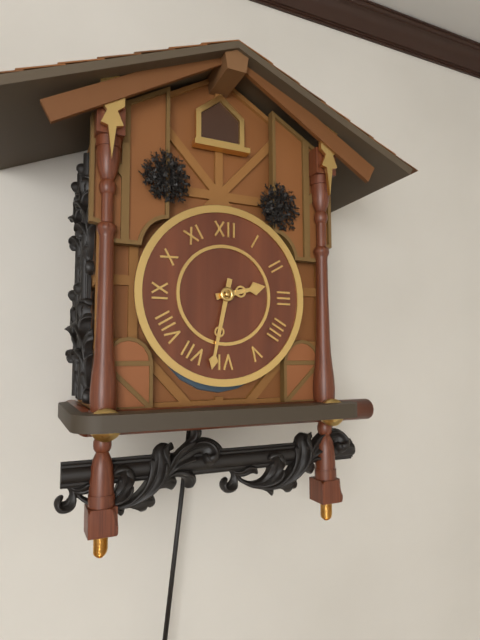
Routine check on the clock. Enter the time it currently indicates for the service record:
2:32
